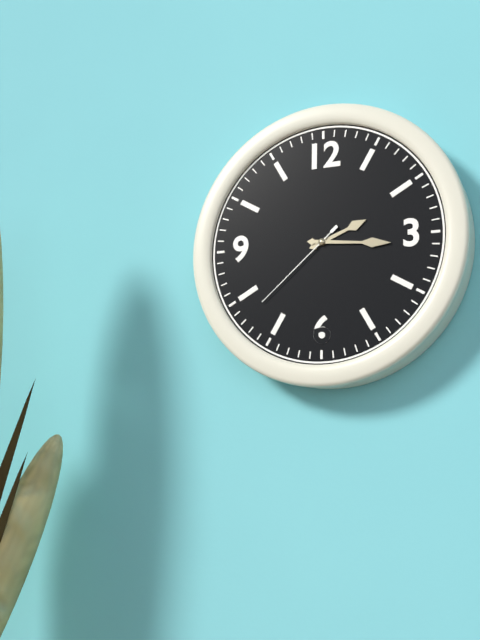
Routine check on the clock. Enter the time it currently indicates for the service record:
2:16:38
